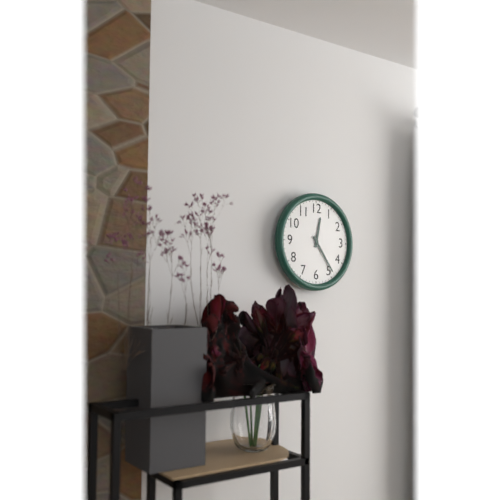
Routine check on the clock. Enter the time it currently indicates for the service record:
12:24
